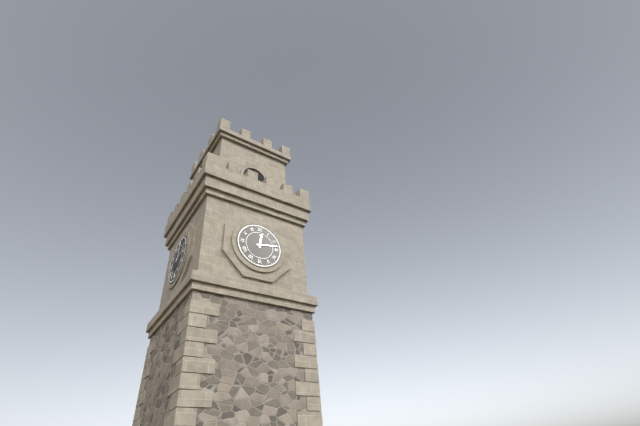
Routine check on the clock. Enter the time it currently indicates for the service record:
12:13
